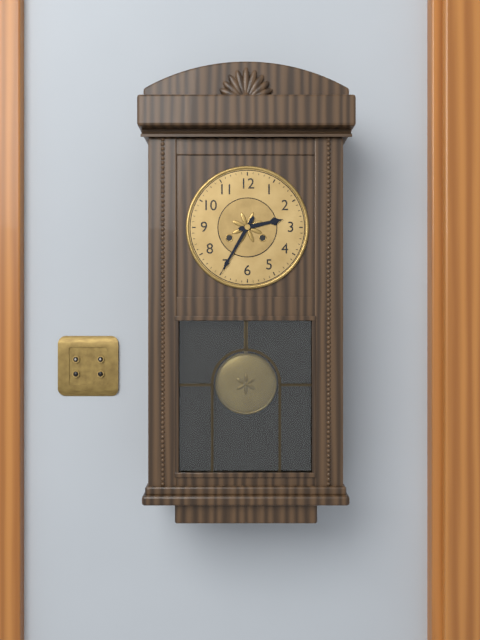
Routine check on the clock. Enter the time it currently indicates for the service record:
2:35
